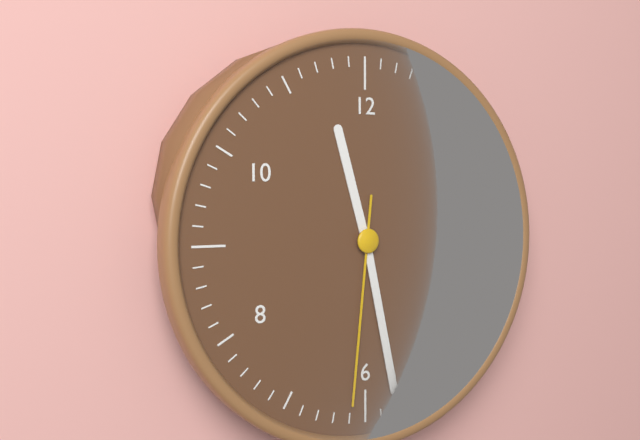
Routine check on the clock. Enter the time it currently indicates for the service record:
11:28:31
